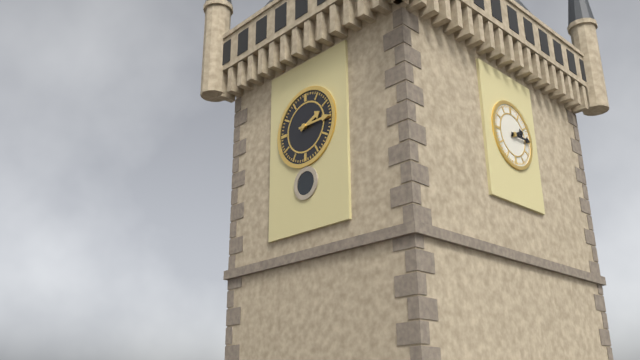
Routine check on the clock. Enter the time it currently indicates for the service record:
2:15
